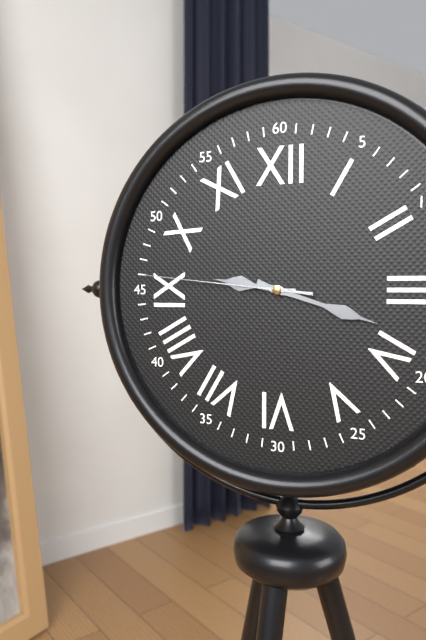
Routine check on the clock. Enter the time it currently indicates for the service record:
9:18:46
